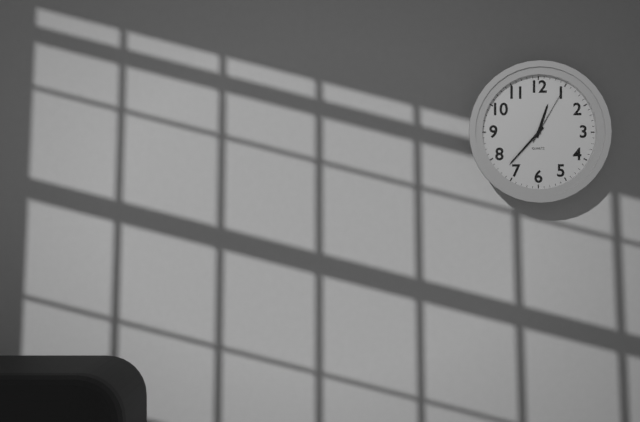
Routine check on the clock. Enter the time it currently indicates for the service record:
12:37:05
